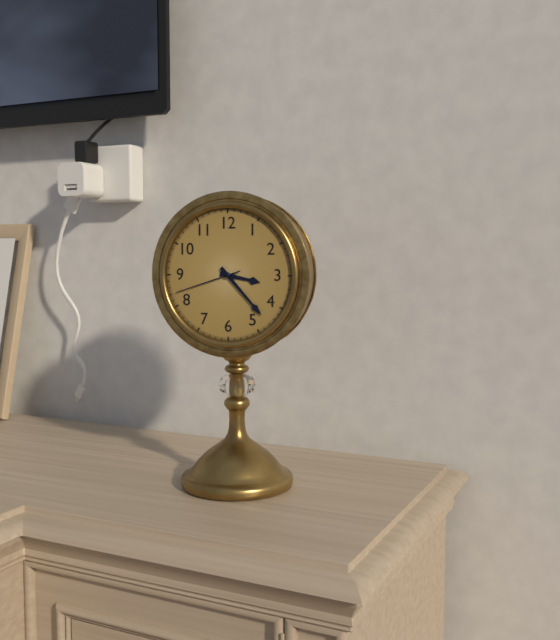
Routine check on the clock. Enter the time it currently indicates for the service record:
3:23:42
